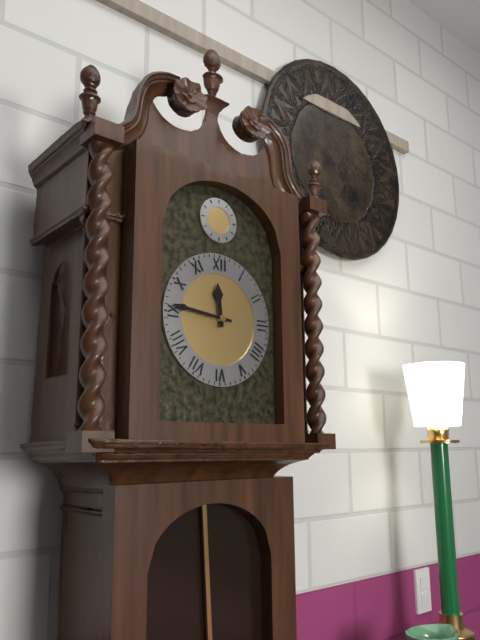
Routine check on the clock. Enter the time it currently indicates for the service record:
11:46
